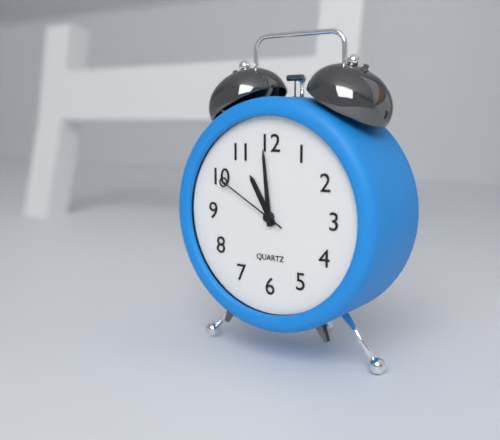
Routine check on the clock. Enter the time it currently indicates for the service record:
10:59:50
